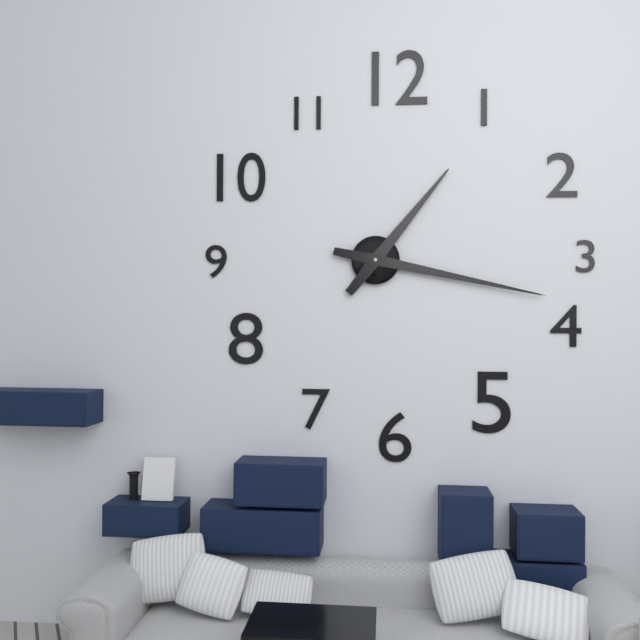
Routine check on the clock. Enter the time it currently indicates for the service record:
1:17
